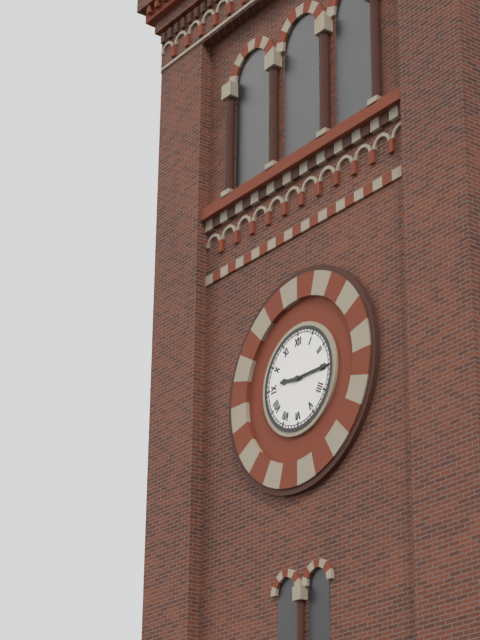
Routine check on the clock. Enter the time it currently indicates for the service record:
9:15
